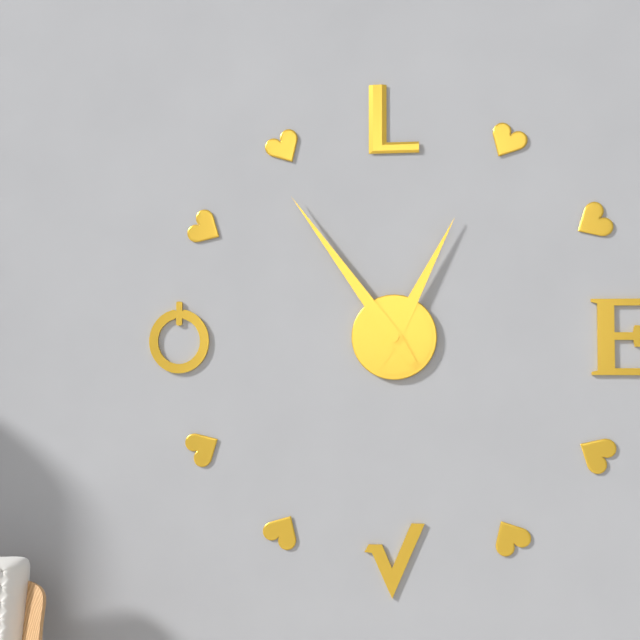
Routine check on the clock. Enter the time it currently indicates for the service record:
12:54
